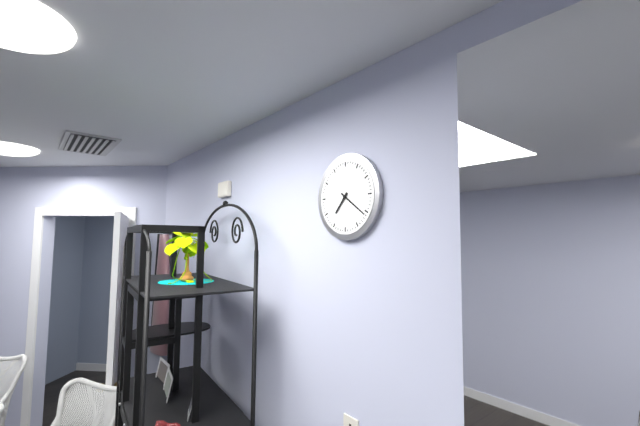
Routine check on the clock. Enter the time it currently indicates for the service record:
7:21
